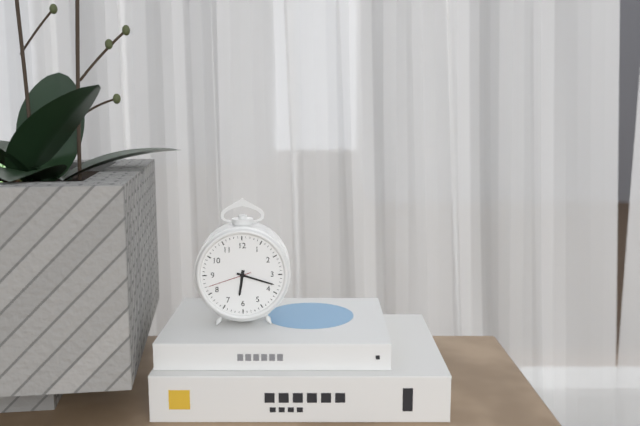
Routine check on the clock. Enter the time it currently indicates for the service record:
6:18
